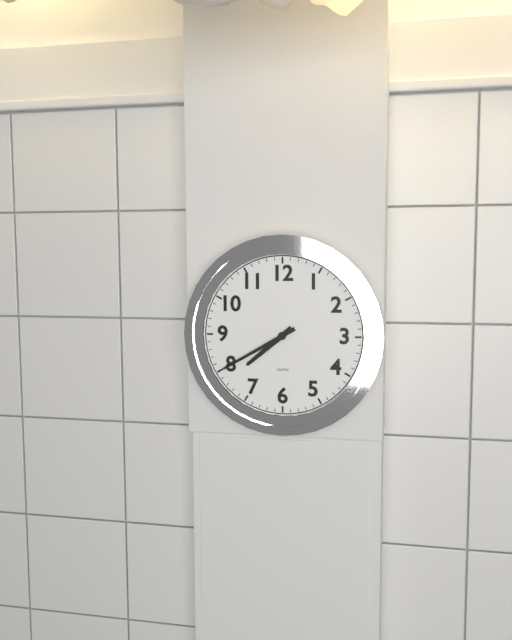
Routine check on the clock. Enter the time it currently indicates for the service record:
7:40
